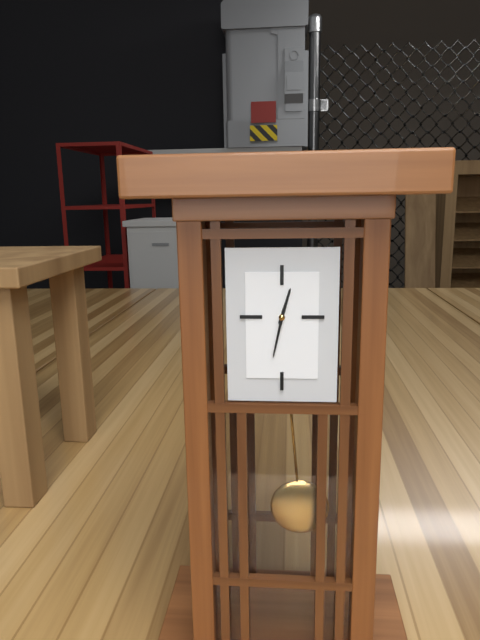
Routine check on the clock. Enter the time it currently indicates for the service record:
12:32
